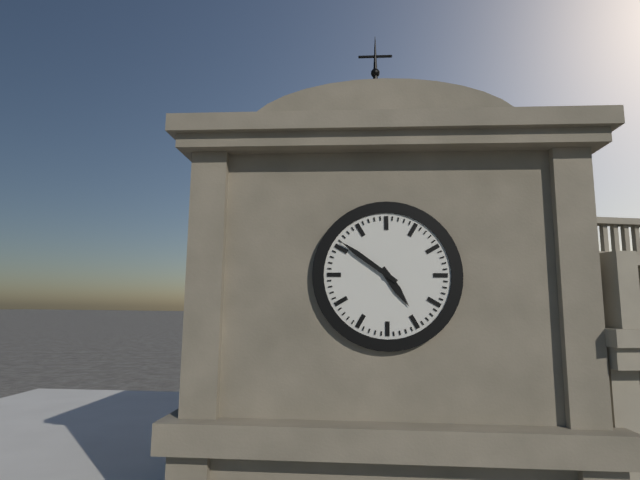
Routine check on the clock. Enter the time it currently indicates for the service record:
4:51
